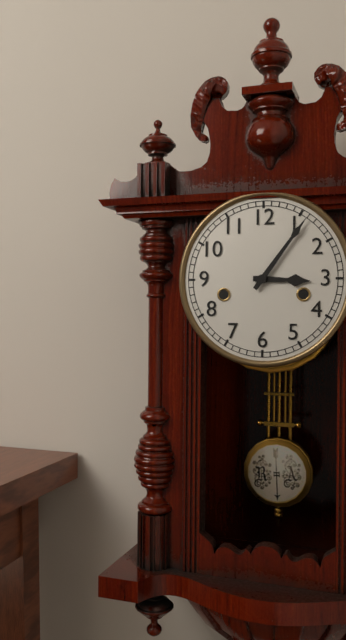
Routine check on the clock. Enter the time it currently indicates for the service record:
3:06
